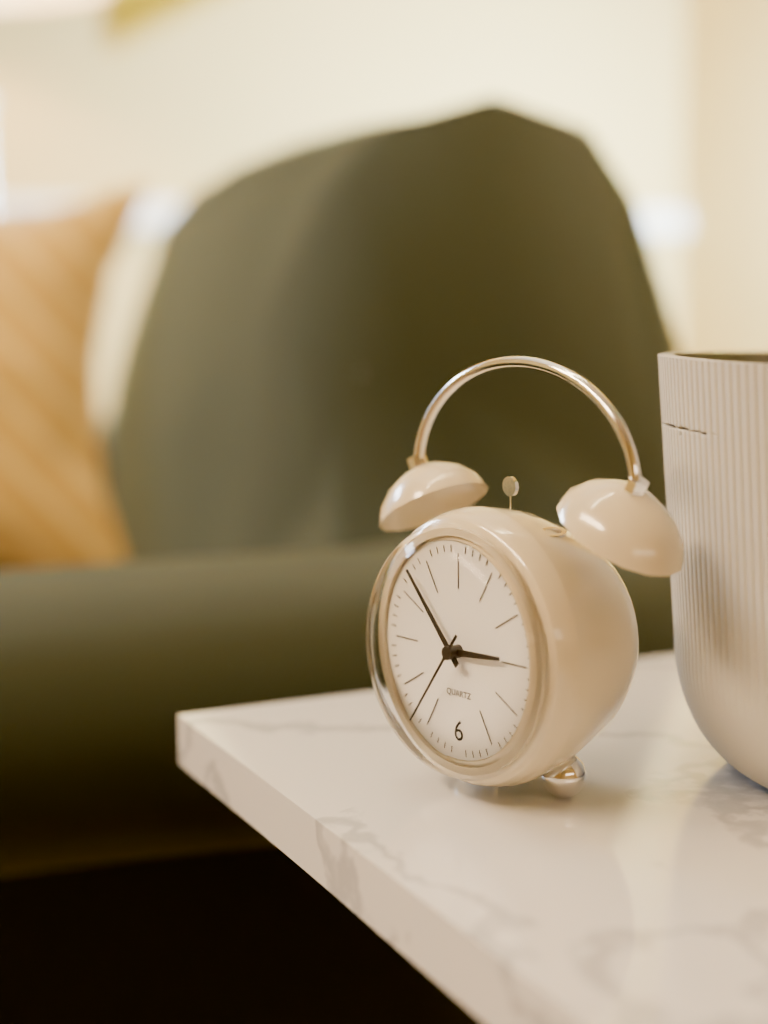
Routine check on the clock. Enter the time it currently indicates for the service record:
2:53:36
